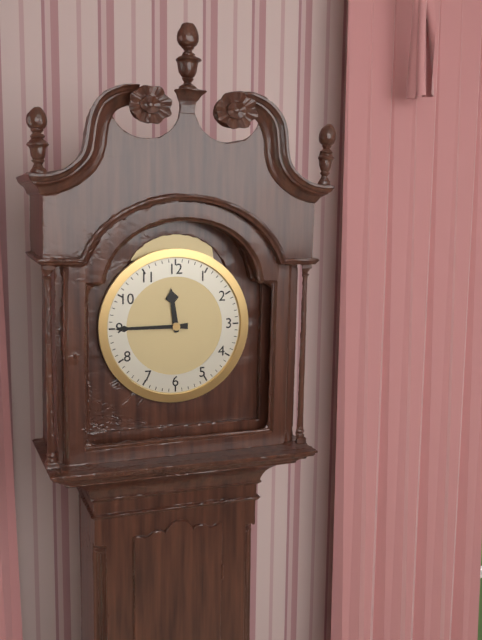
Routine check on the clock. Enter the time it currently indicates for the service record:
11:45
